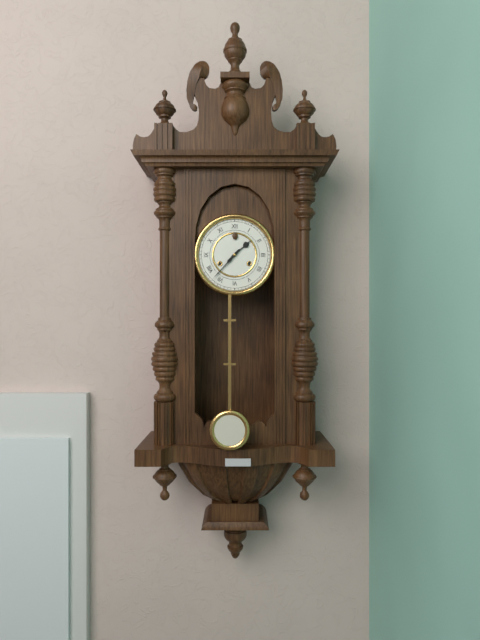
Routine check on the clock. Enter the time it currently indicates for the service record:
1:37
